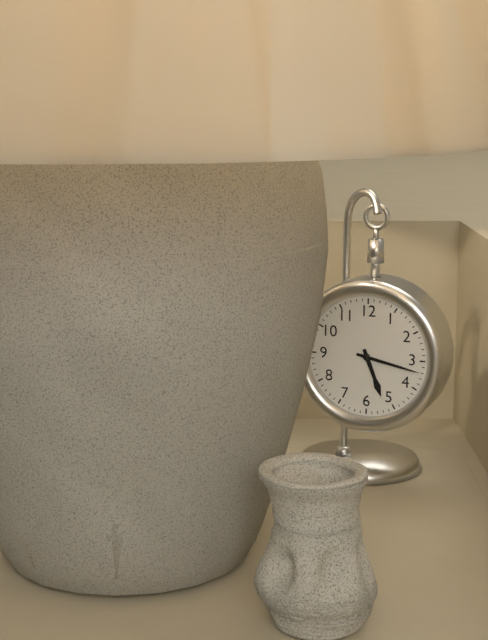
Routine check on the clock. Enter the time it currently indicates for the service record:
5:17
